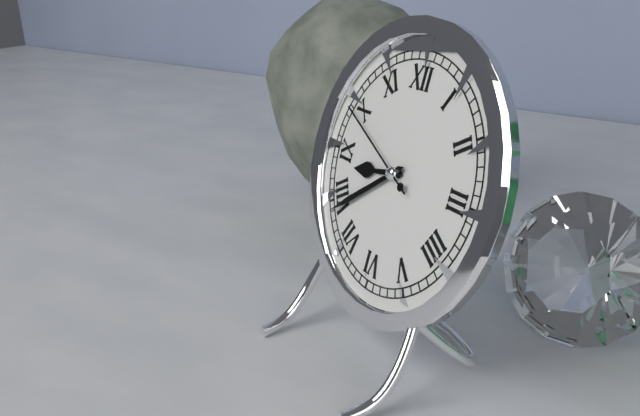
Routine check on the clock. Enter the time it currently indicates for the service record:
8:39:49
